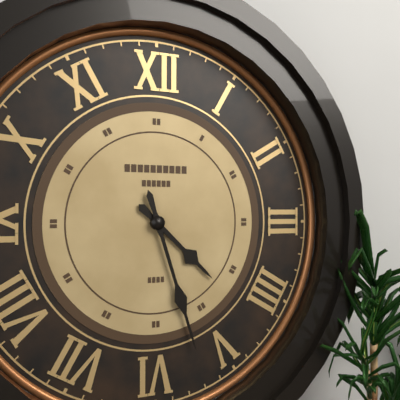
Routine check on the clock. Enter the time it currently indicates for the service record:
4:27
